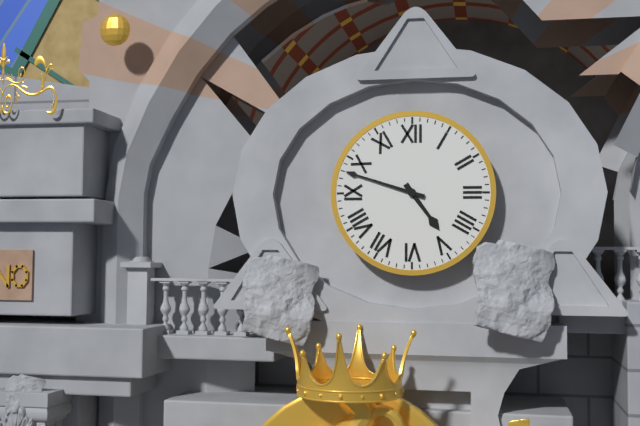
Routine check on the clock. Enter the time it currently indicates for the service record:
4:48
